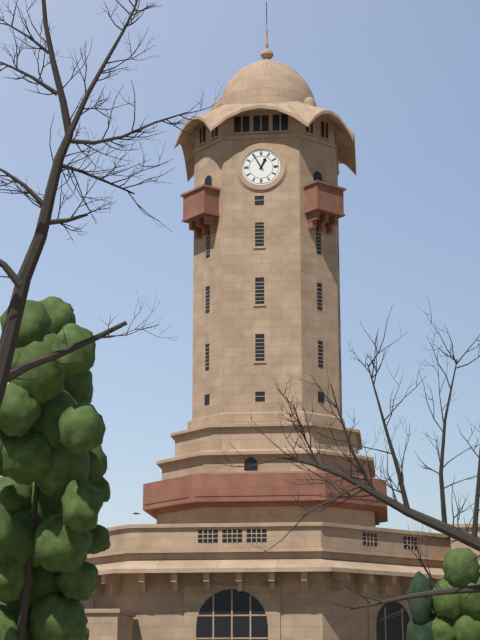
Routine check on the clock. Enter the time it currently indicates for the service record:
12:55
